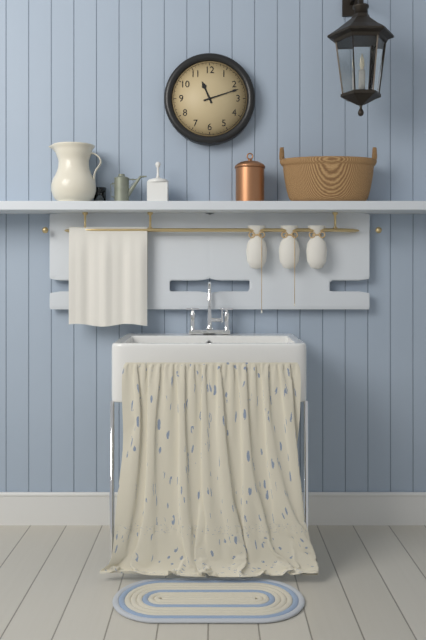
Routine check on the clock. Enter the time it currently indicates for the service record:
11:12
